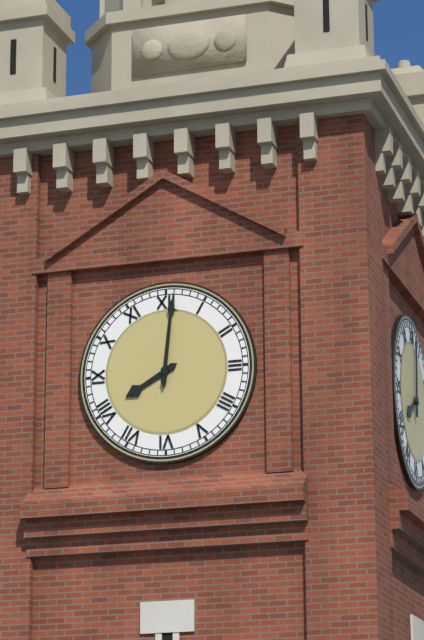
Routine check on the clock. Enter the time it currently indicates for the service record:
8:01
